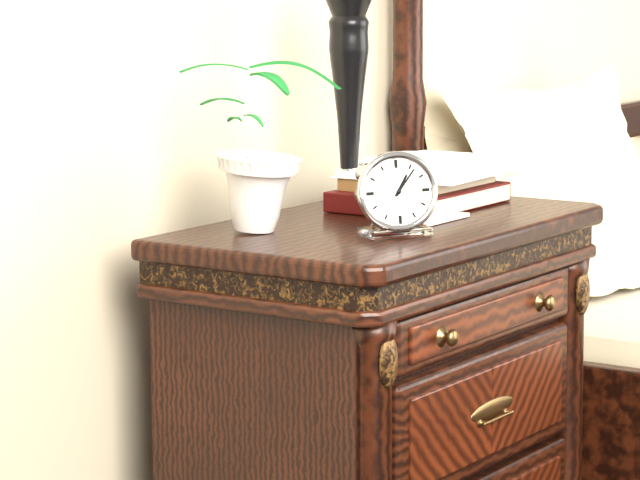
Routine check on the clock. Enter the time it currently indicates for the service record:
1:07
